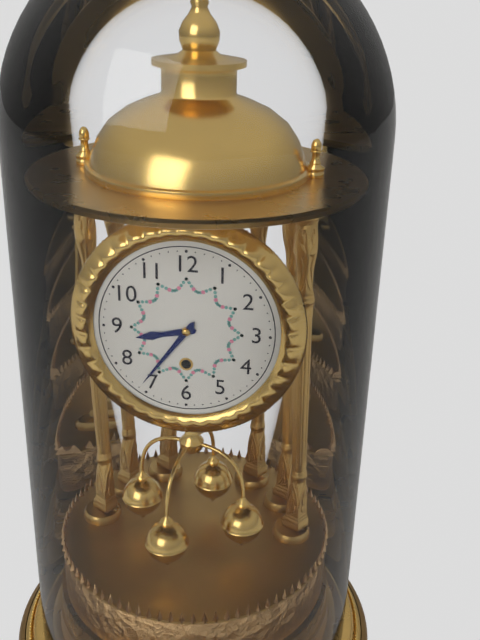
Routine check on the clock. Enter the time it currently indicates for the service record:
8:36
